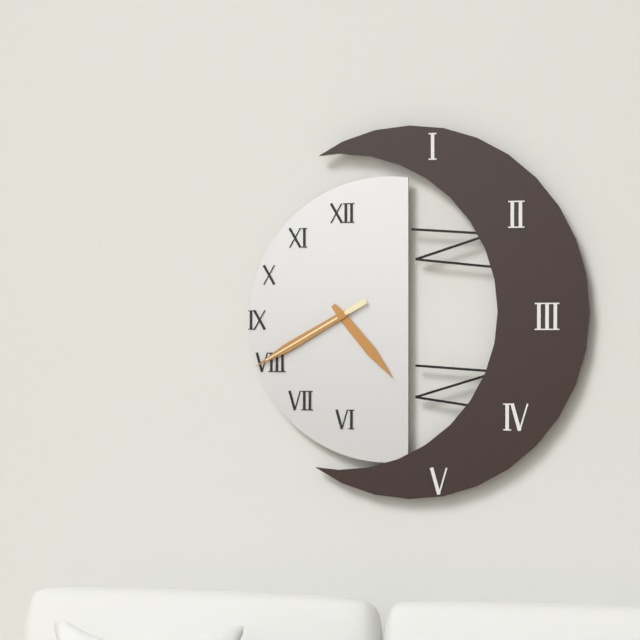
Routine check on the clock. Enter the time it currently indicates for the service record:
4:40:40
